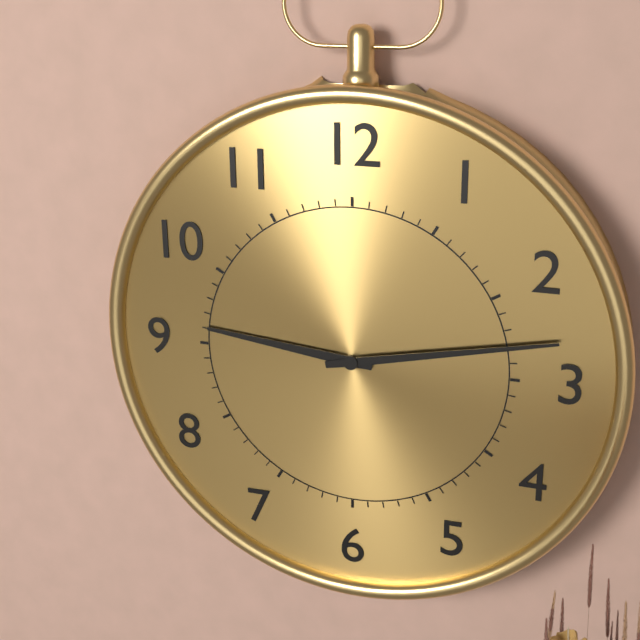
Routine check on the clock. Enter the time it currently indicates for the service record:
9:13
